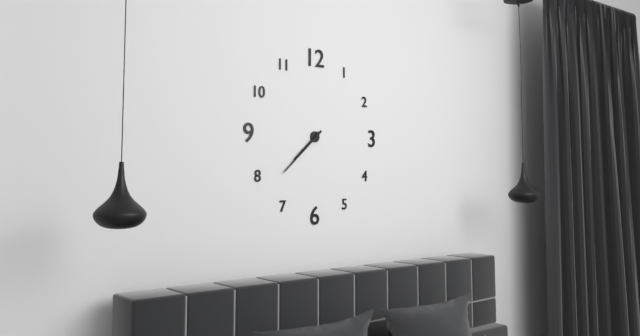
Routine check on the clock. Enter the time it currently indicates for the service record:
7:38
